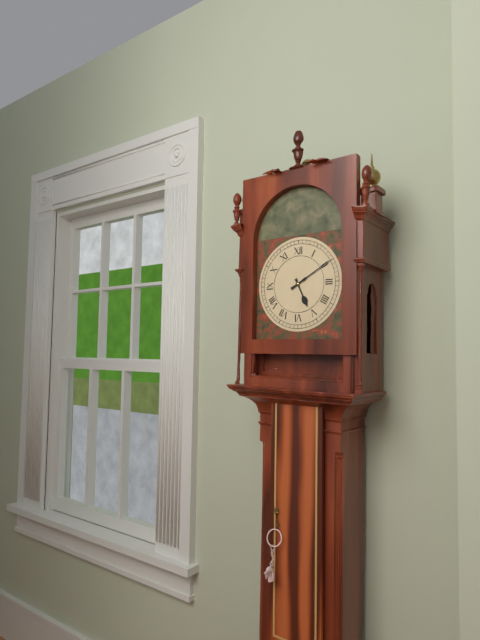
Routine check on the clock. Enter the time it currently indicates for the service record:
5:10
